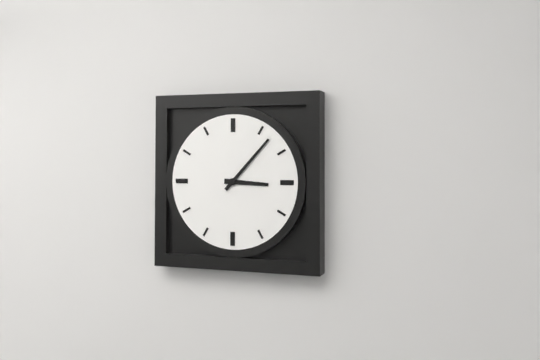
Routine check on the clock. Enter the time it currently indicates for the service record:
3:07
